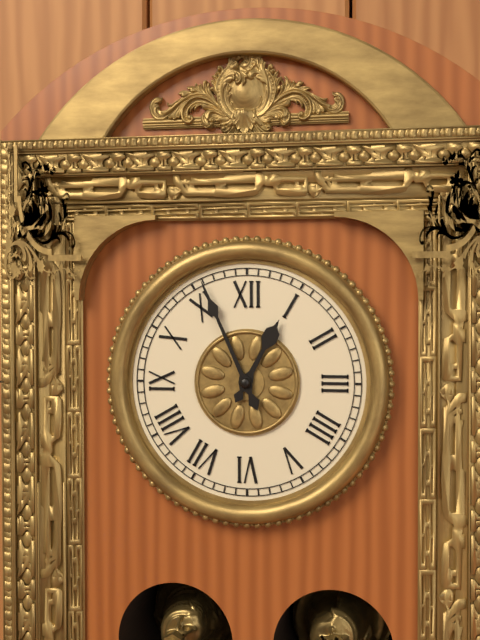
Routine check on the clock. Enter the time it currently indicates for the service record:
12:56
